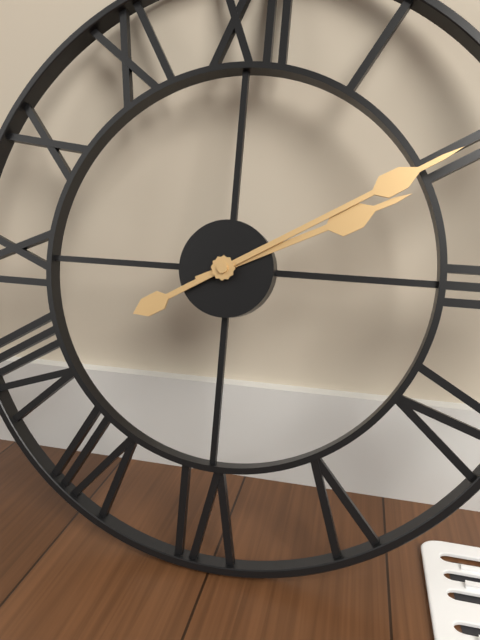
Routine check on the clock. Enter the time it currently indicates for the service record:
2:10
